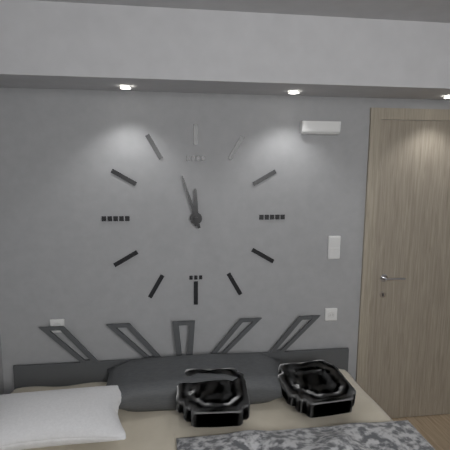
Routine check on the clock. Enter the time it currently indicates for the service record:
11:57
